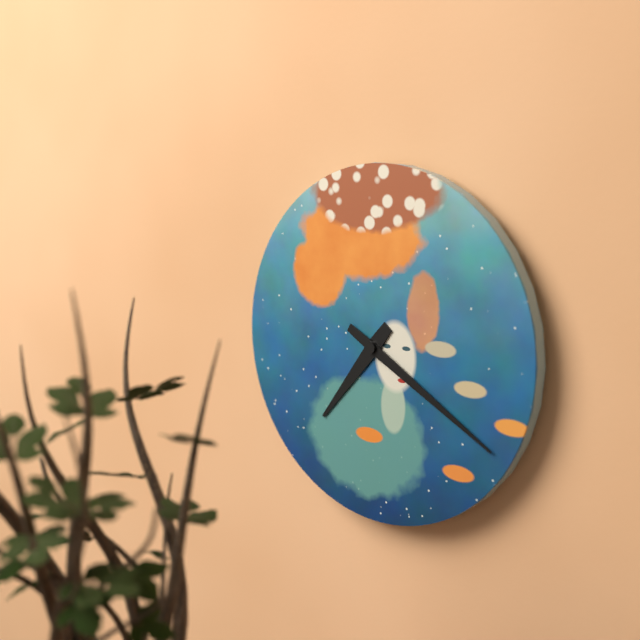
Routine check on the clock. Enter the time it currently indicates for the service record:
7:20
